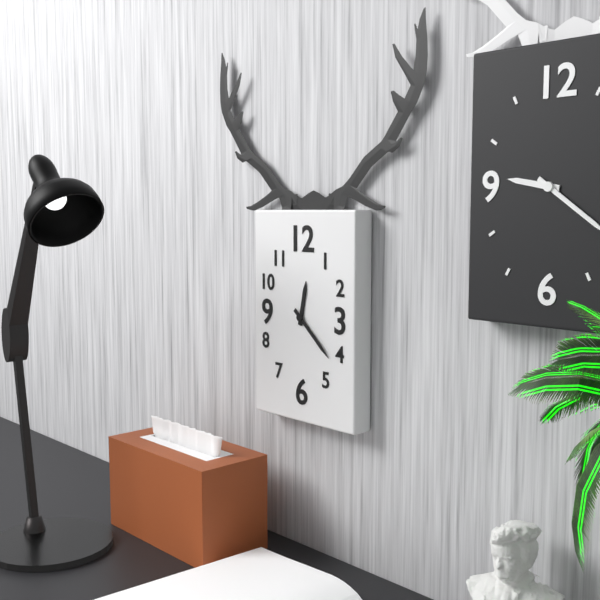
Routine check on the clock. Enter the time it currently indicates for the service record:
12:22
